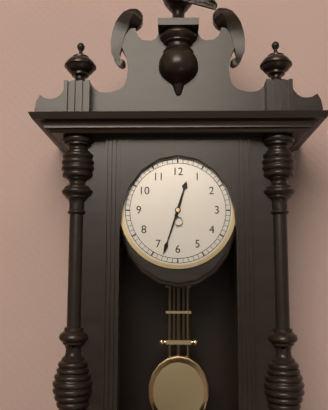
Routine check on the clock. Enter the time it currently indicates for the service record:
12:33
